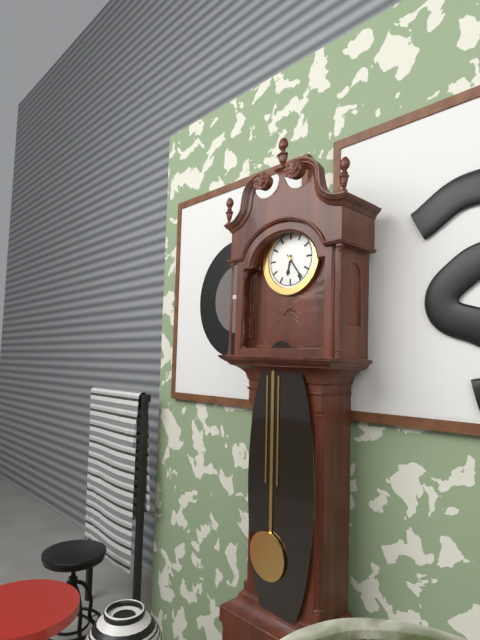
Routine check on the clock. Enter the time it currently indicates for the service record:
6:24
